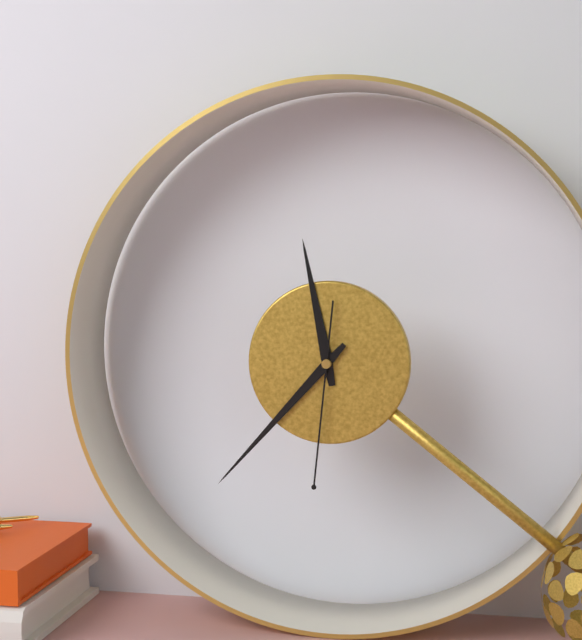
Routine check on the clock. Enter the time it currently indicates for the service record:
11:37:31
